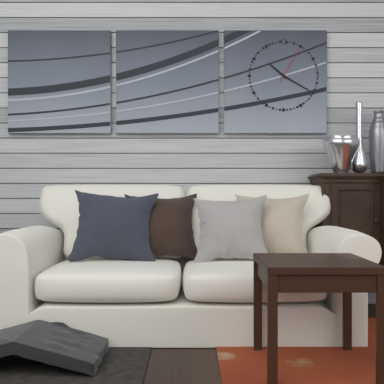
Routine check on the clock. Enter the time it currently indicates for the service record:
10:20
